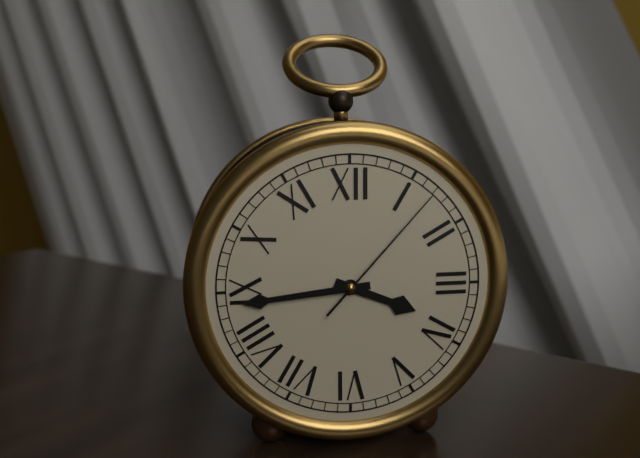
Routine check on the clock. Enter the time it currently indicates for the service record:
3:44:07
